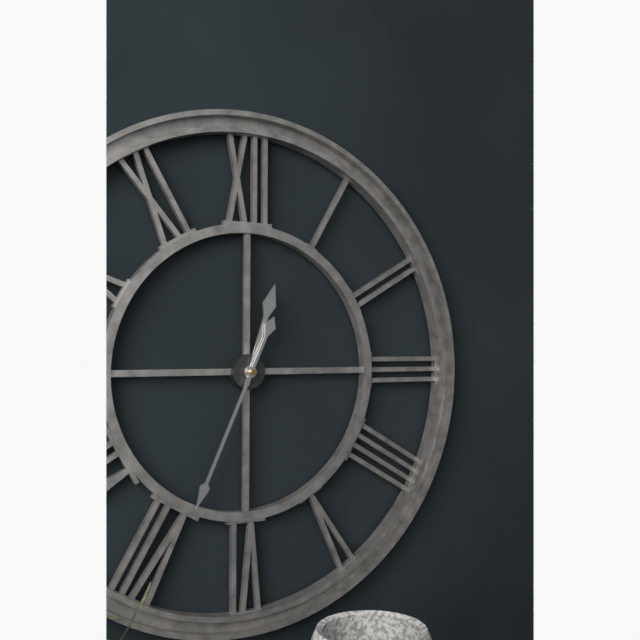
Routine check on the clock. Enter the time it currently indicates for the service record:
12:34
